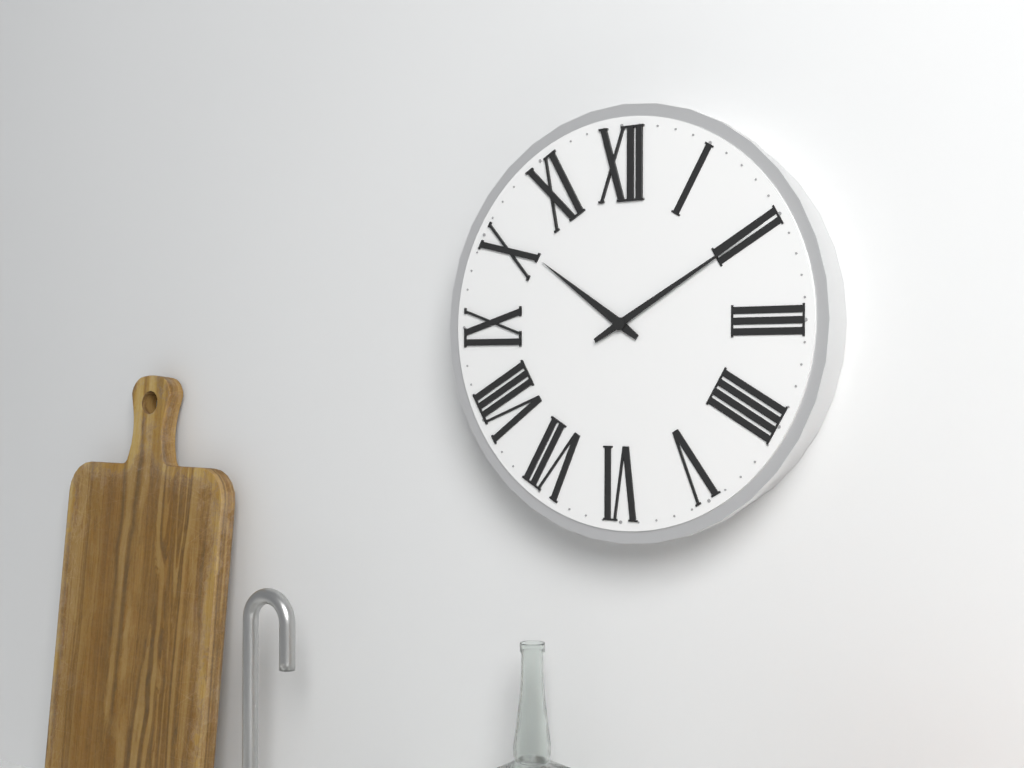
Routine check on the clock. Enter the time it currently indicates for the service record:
10:10
